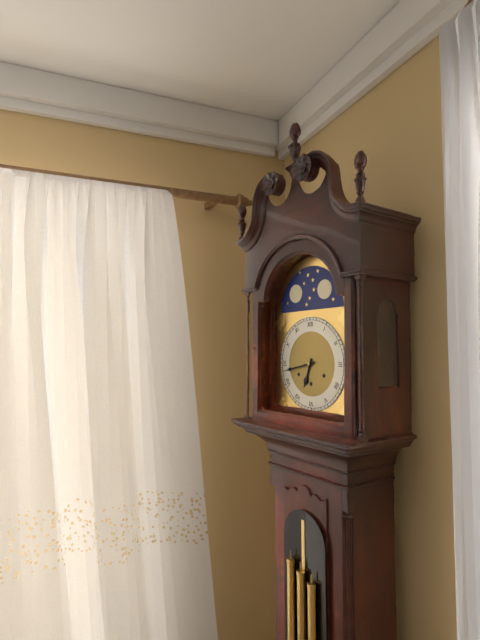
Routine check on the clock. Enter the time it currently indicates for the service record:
6:43
